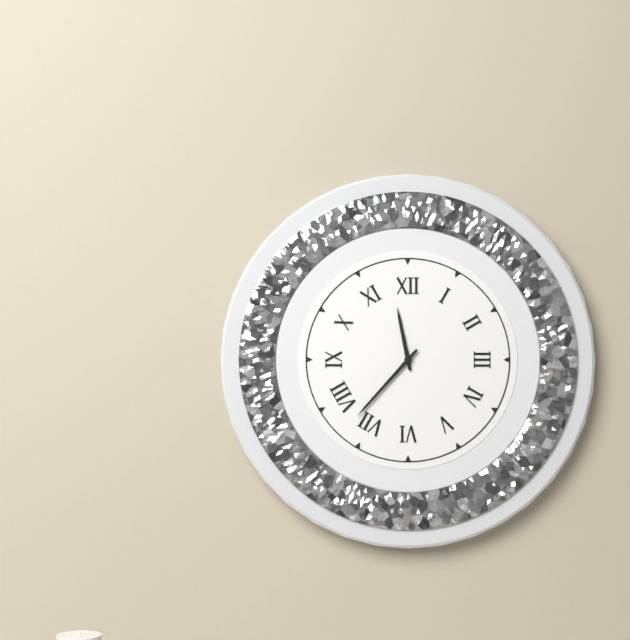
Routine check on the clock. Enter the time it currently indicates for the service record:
11:37
